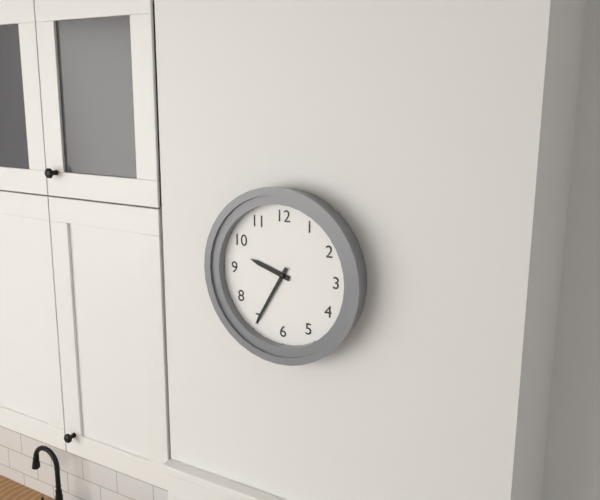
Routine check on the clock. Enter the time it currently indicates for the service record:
9:35
